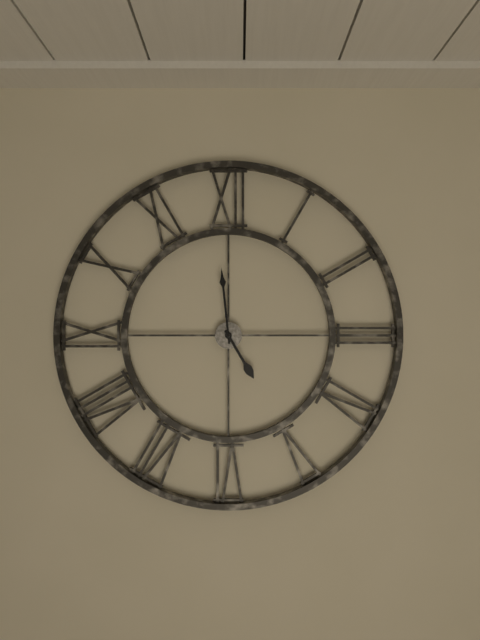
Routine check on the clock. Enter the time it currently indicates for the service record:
4:59
